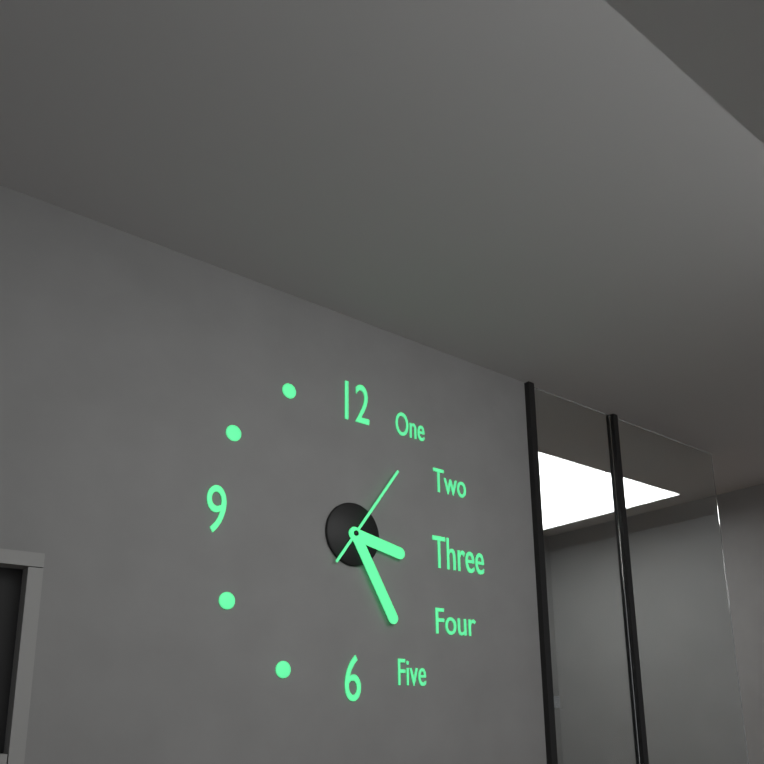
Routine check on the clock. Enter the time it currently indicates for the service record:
3:25:06
